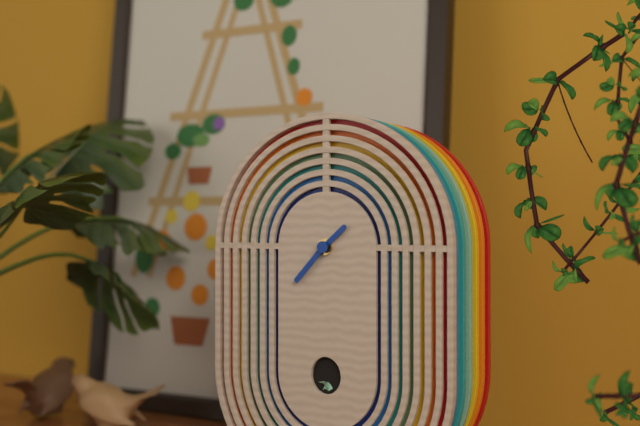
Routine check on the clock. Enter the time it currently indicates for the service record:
1:37
